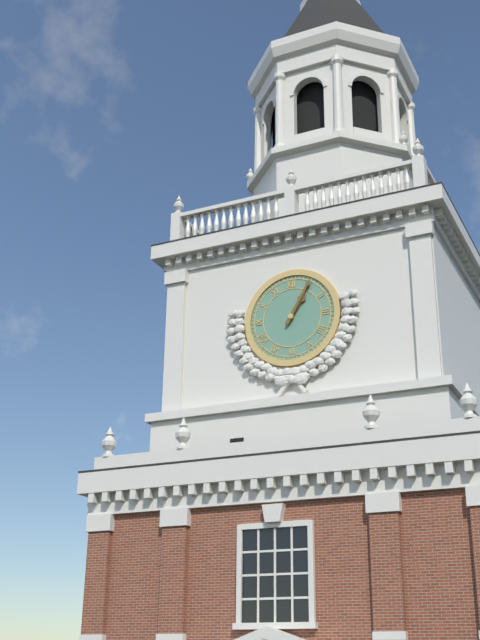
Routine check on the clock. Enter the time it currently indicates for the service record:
1:05
